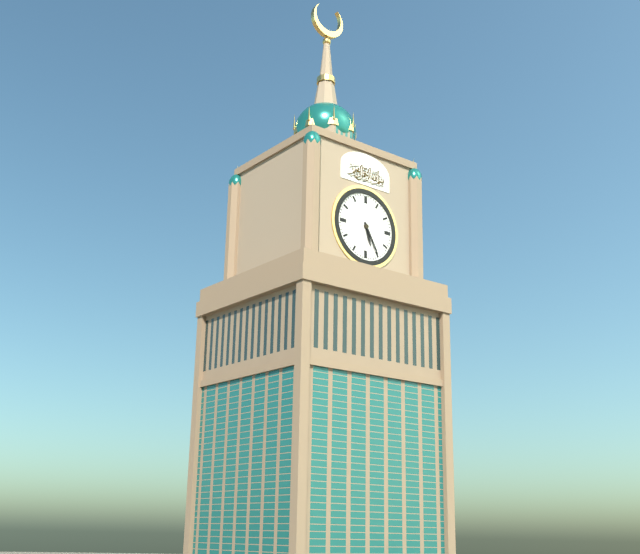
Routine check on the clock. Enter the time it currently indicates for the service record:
5:25
